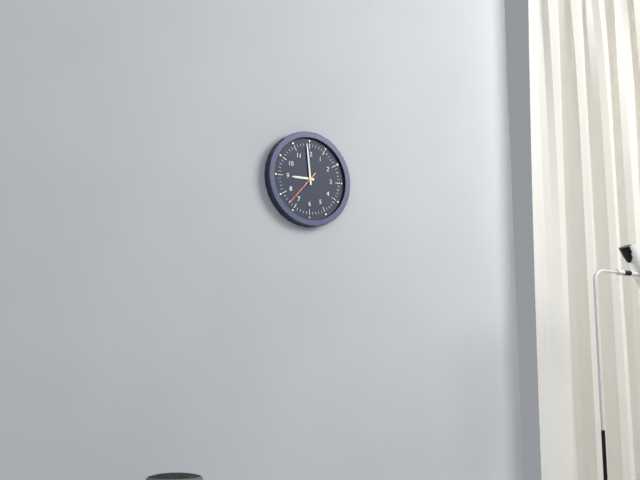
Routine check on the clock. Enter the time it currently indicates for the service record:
8:59
